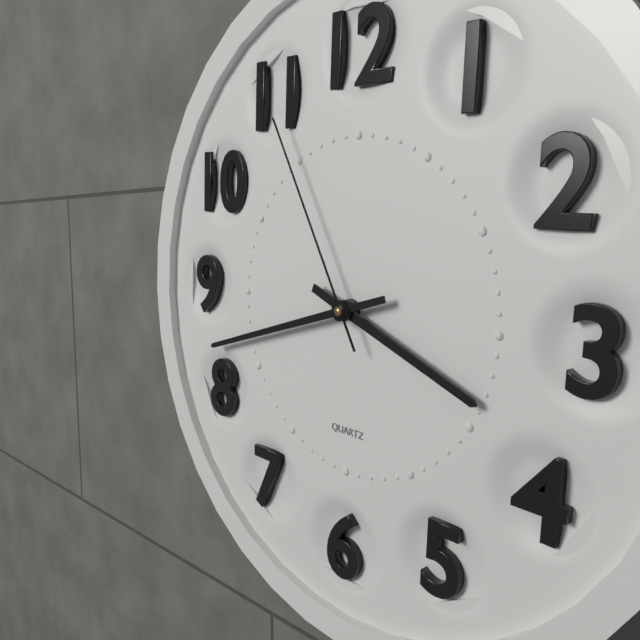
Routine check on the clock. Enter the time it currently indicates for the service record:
3:42:55
